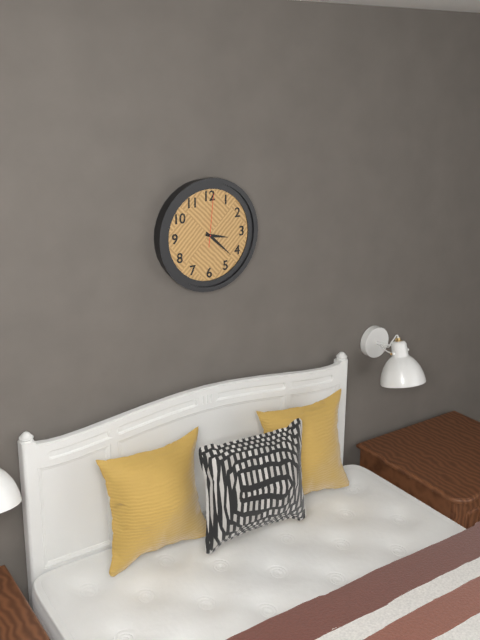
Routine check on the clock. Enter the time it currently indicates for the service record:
3:22:01
